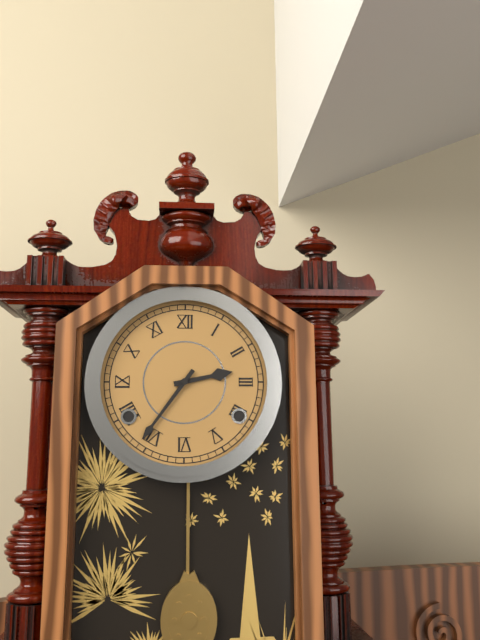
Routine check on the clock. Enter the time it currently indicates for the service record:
2:36
